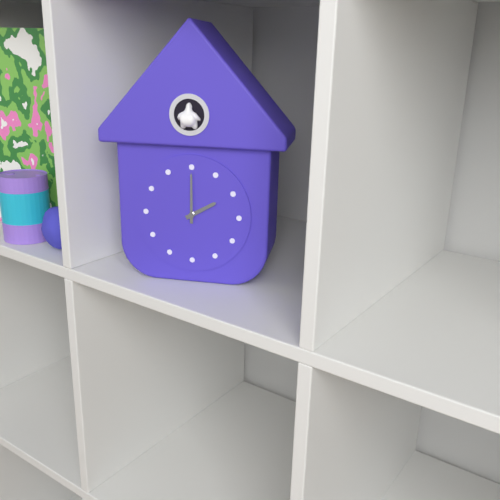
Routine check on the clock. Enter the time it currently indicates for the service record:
2:00
